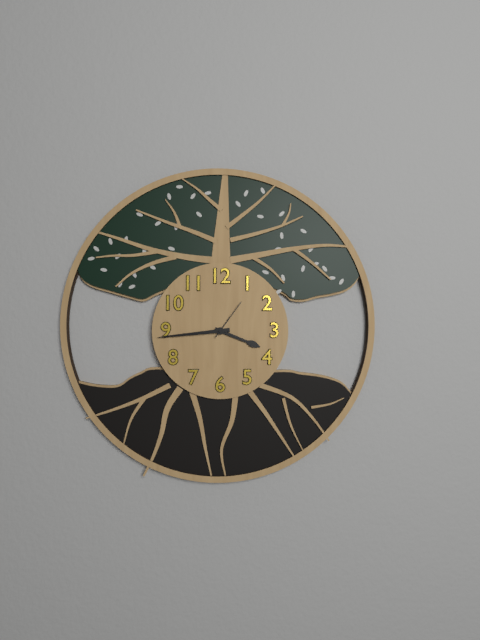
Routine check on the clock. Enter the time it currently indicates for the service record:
3:44
